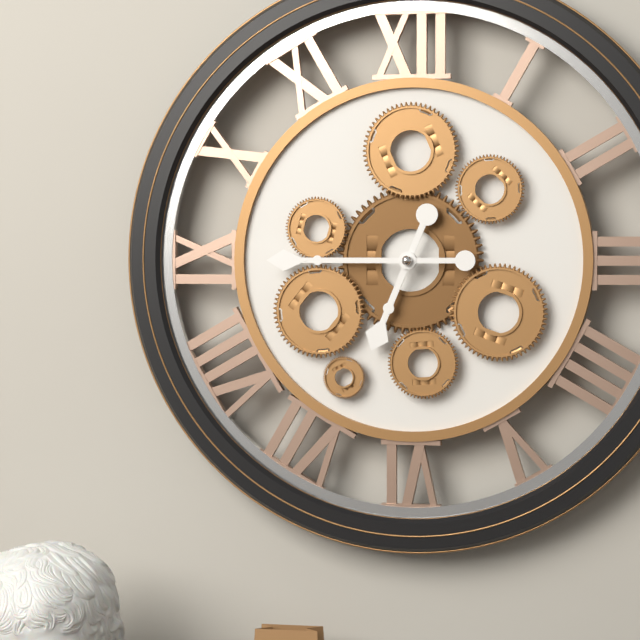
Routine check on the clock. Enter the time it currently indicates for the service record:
6:45
